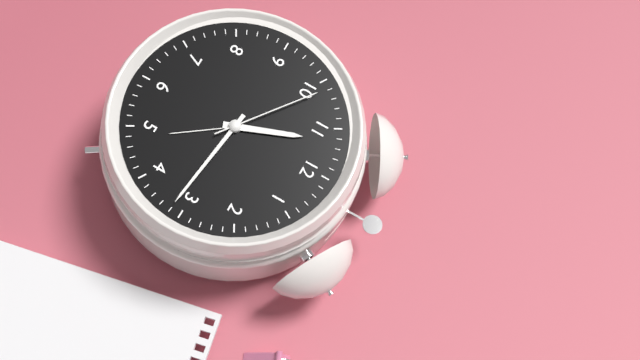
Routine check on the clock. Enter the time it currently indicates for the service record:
11:16:51
